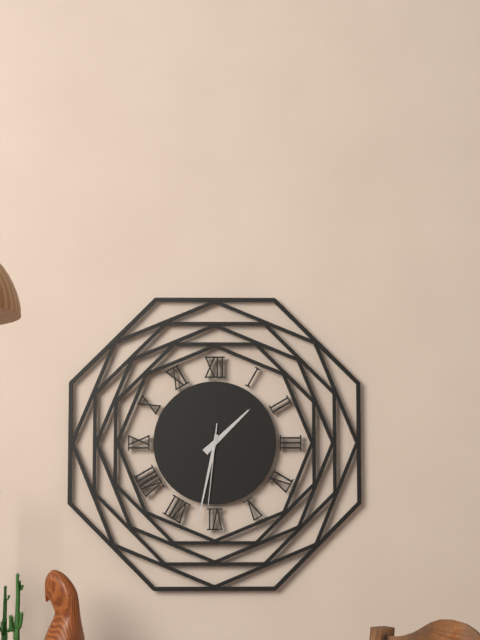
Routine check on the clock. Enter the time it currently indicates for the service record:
1:32:31
